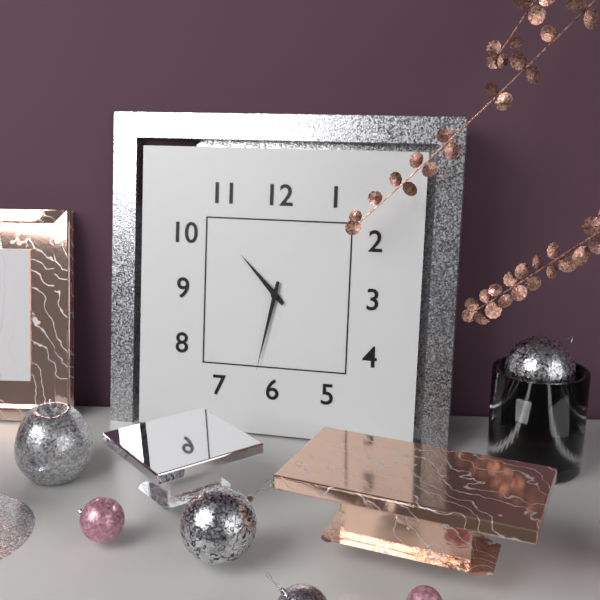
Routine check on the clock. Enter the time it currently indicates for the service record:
10:32
